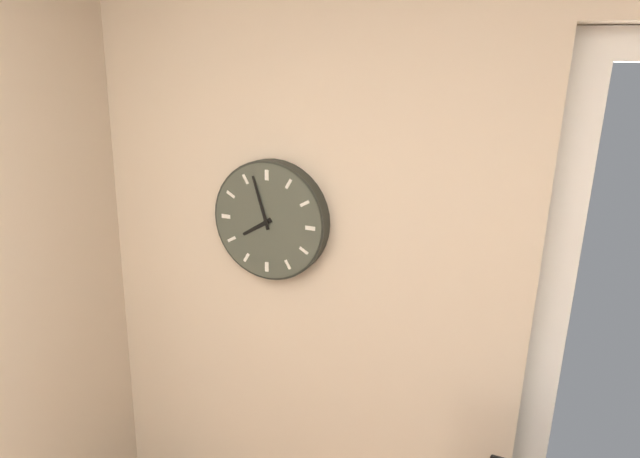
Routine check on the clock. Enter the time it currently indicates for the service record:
7:57
